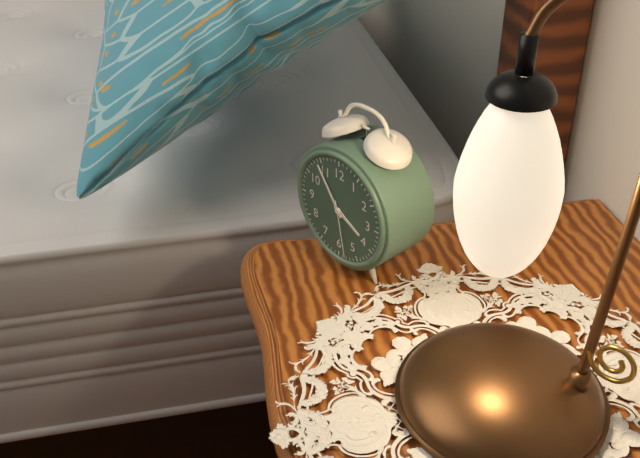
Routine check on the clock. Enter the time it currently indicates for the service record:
3:54:28
